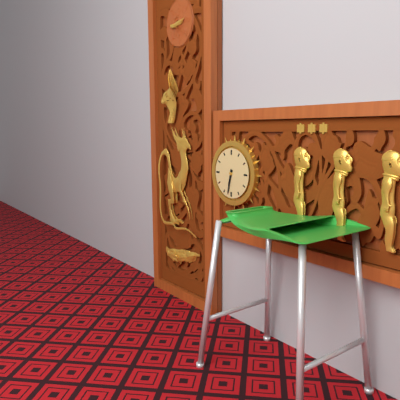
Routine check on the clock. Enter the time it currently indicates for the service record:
6:32
